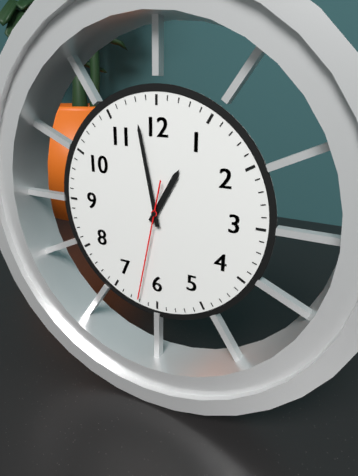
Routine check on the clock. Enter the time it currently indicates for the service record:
12:58:32
